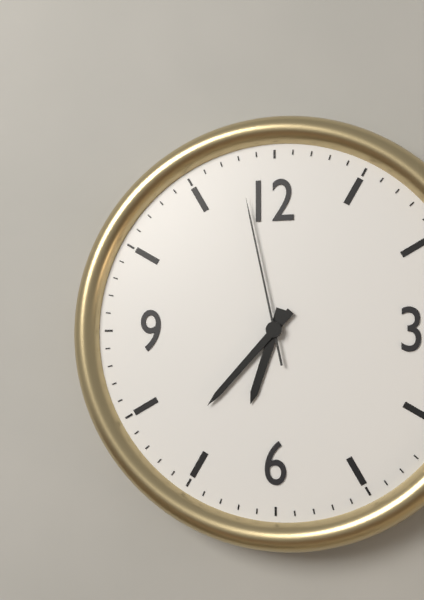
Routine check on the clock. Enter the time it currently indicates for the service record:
6:37:58
